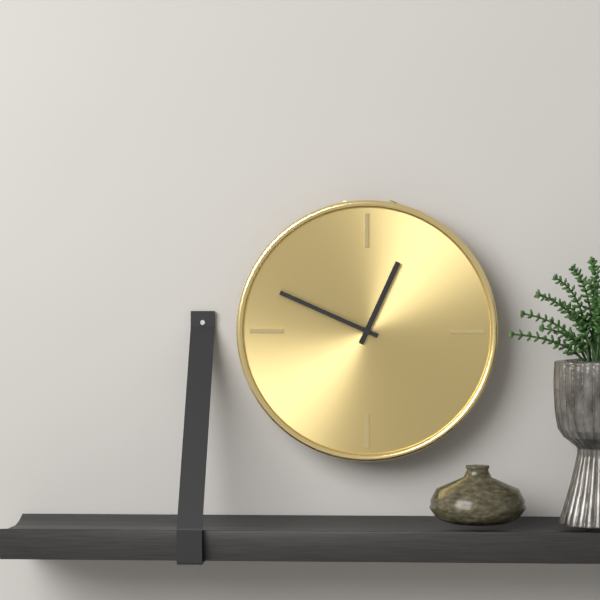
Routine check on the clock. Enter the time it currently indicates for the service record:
12:49
